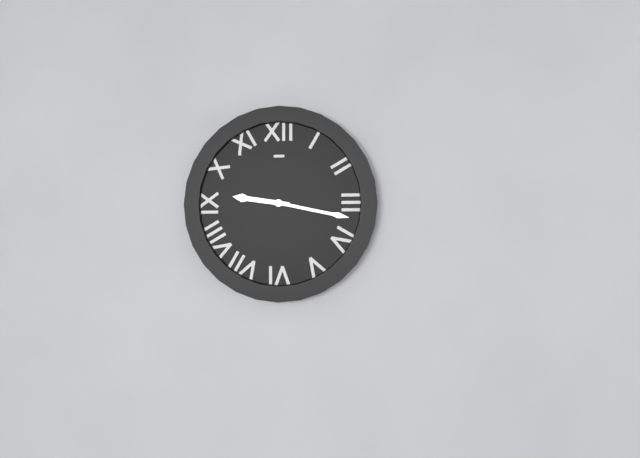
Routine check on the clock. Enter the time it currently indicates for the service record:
9:17
